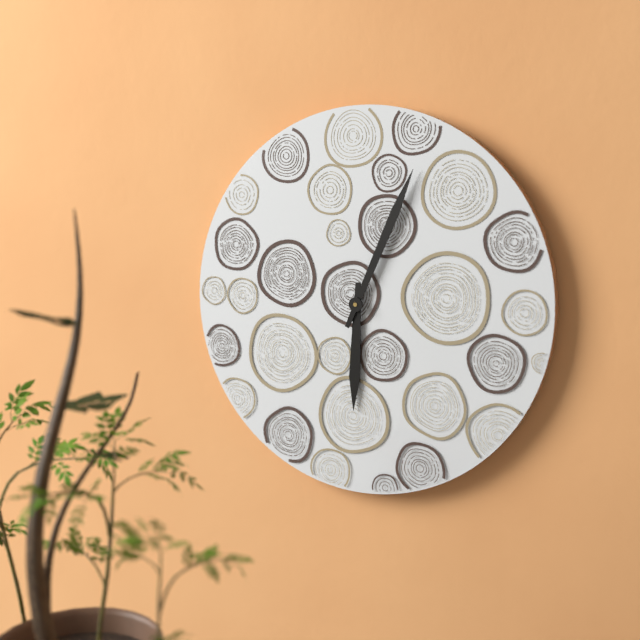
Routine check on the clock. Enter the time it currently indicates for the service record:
6:04
